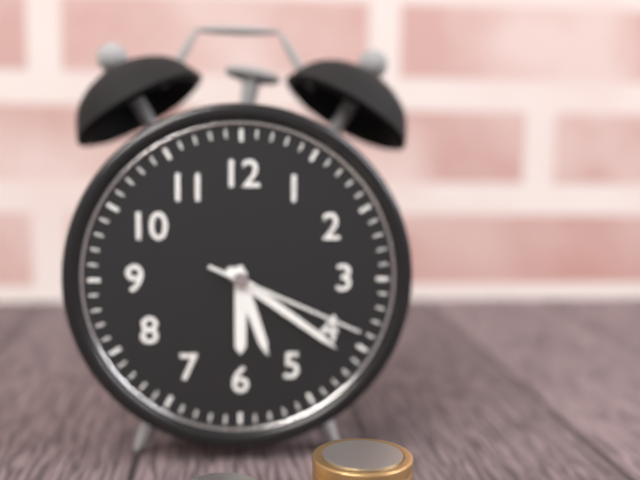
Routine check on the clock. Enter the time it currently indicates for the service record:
5:21:19
